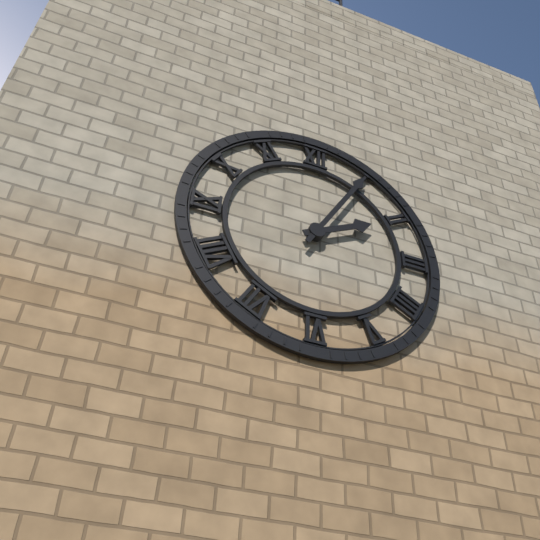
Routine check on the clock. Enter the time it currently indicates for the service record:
2:05
